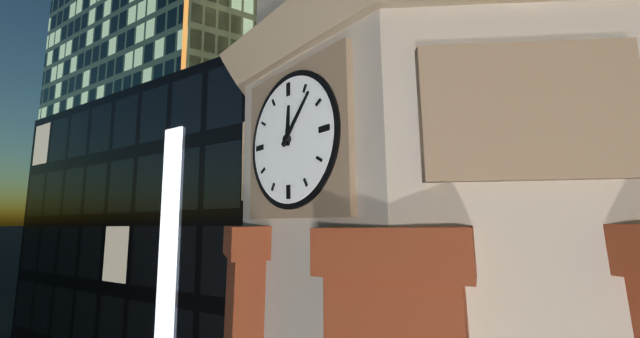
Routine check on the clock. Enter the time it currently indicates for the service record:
12:07
